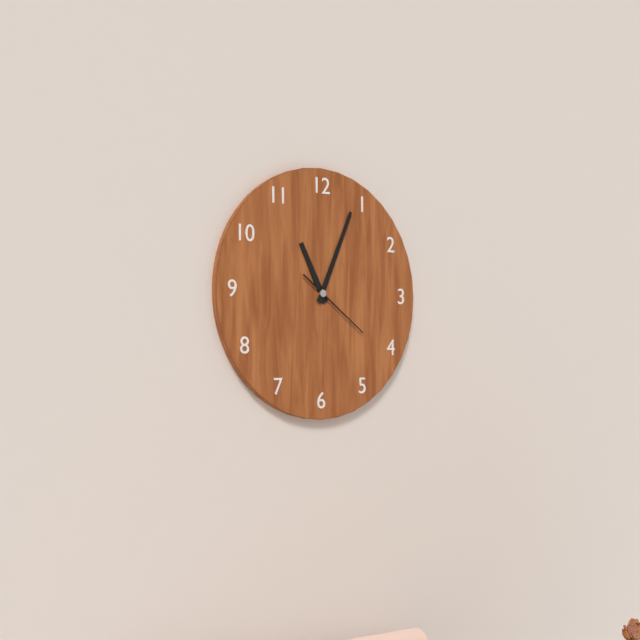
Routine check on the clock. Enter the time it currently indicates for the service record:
11:04:21
